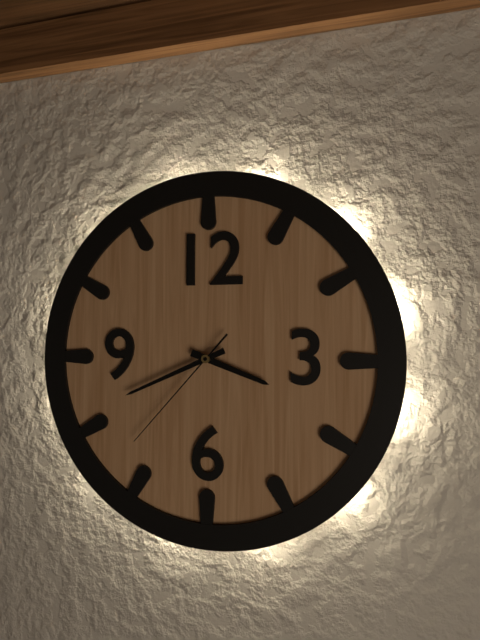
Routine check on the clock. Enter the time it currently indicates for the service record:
3:41:37
